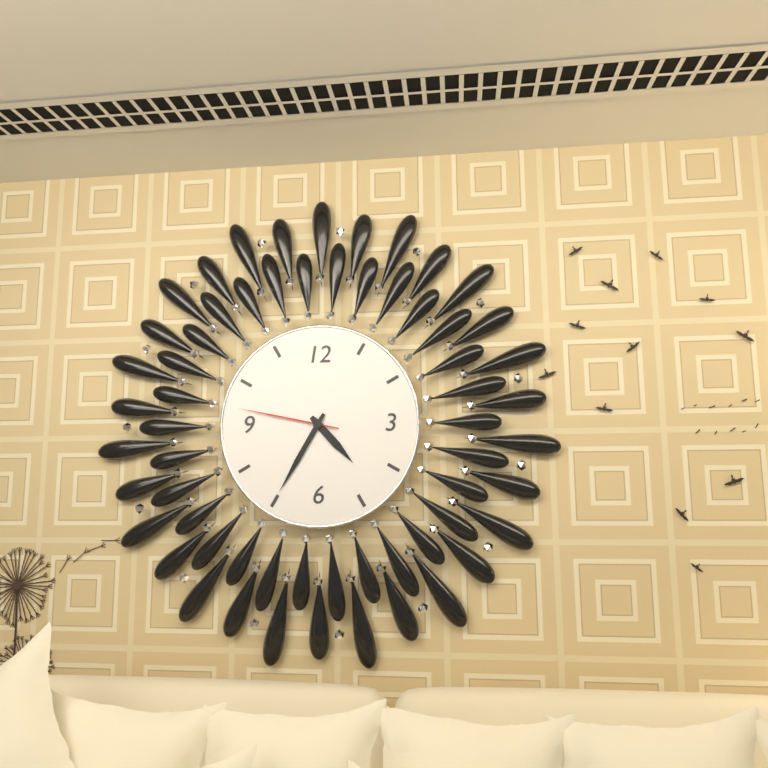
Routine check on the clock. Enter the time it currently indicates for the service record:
4:35:47
